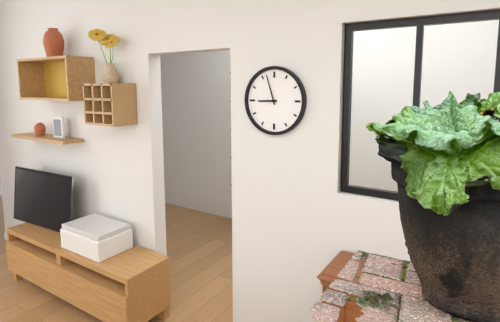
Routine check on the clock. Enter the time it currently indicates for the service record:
8:57
